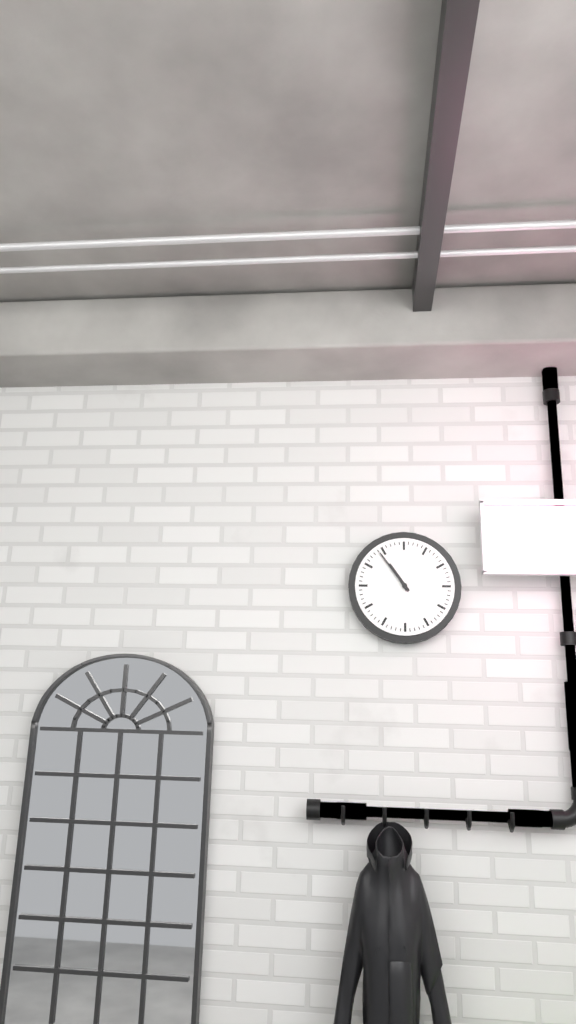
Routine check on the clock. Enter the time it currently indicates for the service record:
10:54
